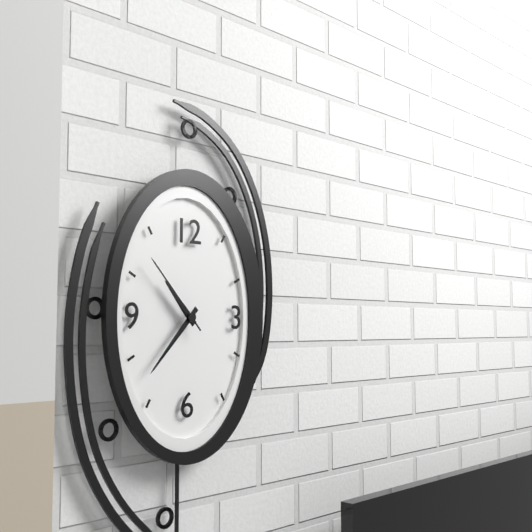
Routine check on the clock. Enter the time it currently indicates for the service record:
10:37:53
